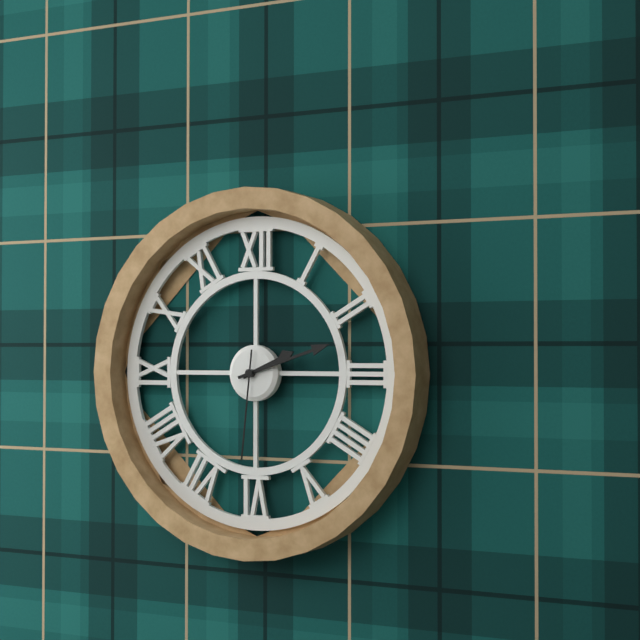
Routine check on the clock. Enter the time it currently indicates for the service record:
2:12:31
